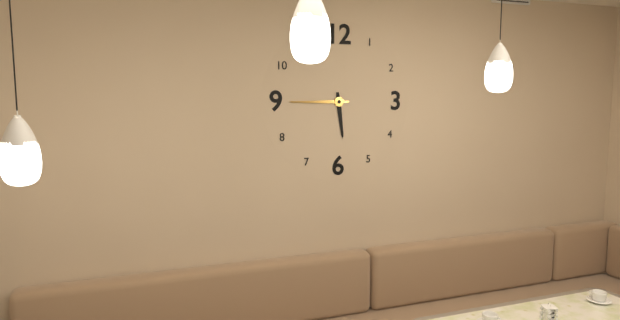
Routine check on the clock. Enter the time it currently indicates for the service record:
5:45
